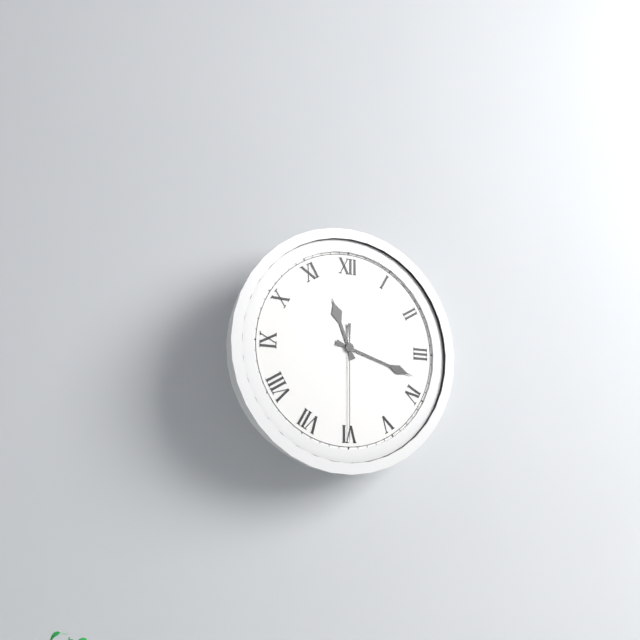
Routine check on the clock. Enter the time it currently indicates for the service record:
11:18:30
